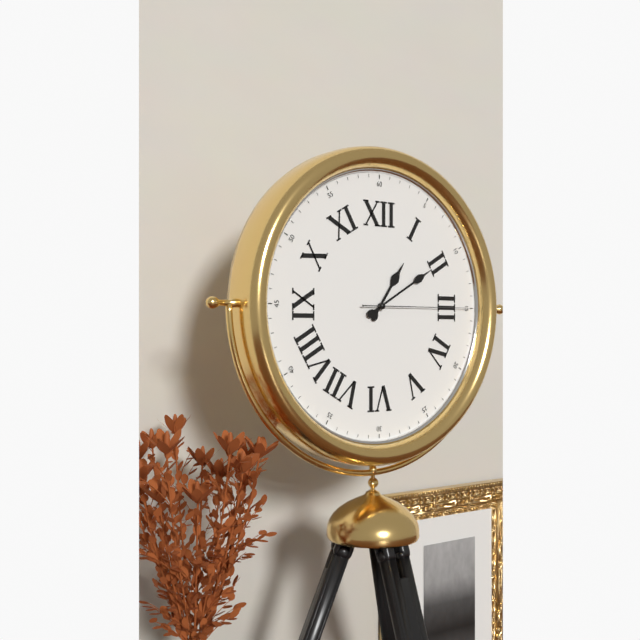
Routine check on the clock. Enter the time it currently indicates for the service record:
1:10:15
